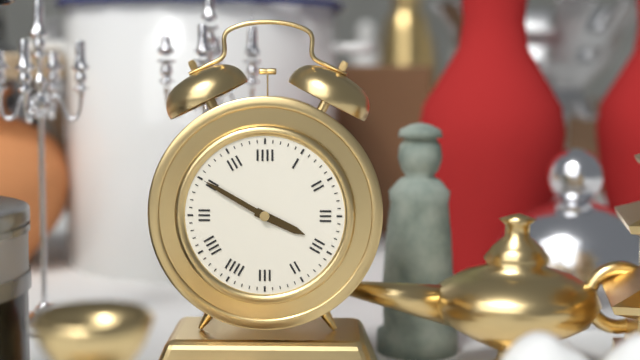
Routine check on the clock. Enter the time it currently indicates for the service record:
3:50
